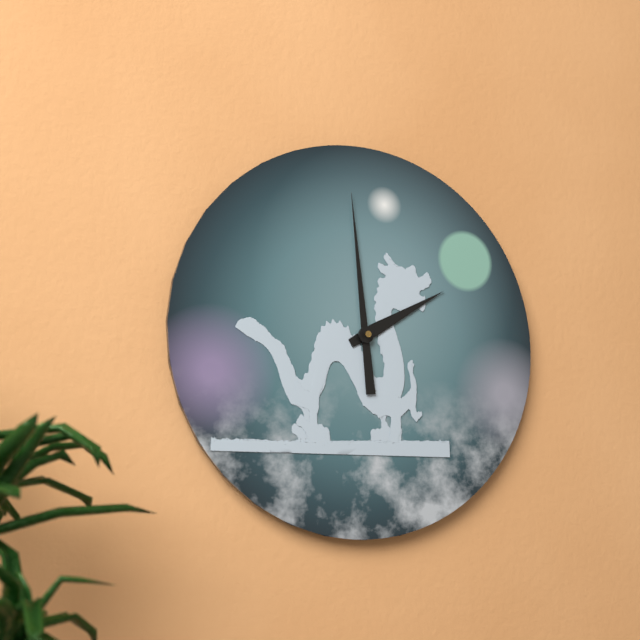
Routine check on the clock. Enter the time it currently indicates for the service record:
1:59
